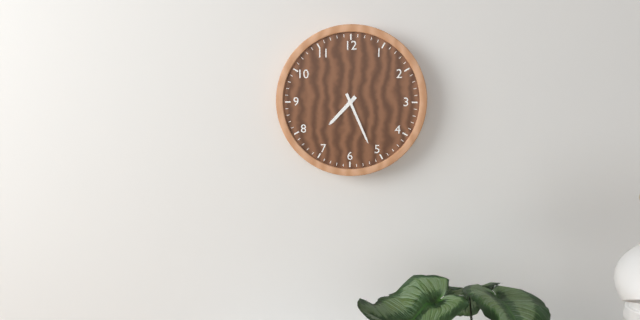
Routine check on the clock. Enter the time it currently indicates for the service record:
7:26
